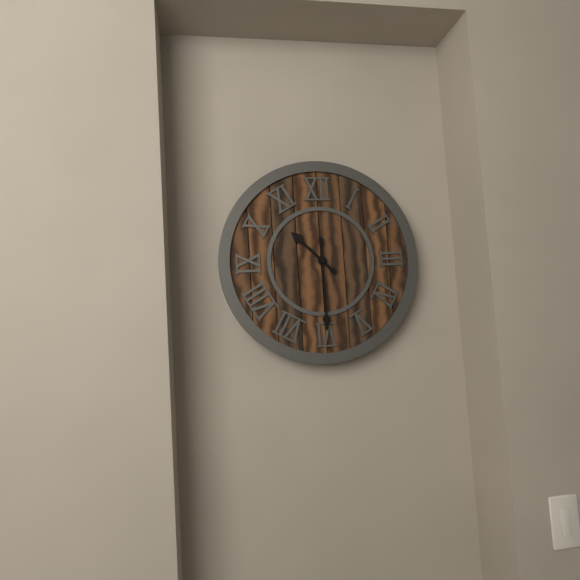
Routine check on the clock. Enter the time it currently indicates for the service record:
10:30
